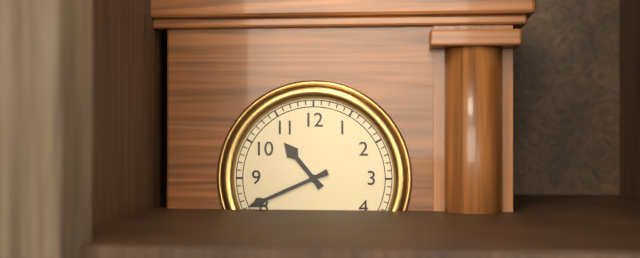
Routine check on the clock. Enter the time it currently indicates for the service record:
10:41
